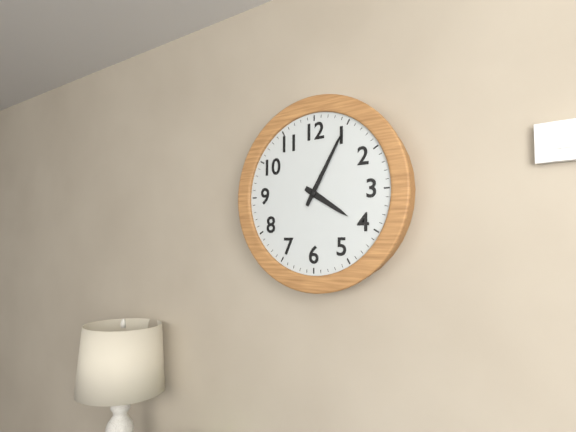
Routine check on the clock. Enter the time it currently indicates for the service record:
4:05
